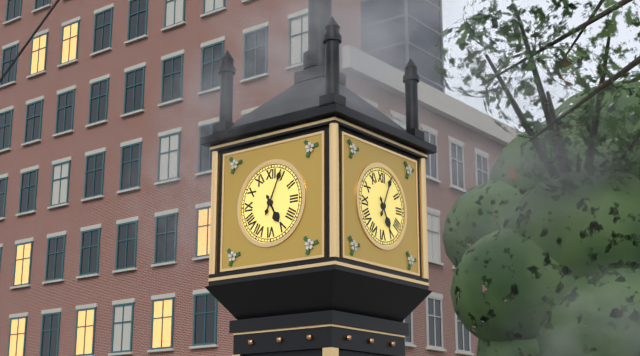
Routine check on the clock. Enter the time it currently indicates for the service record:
5:04
